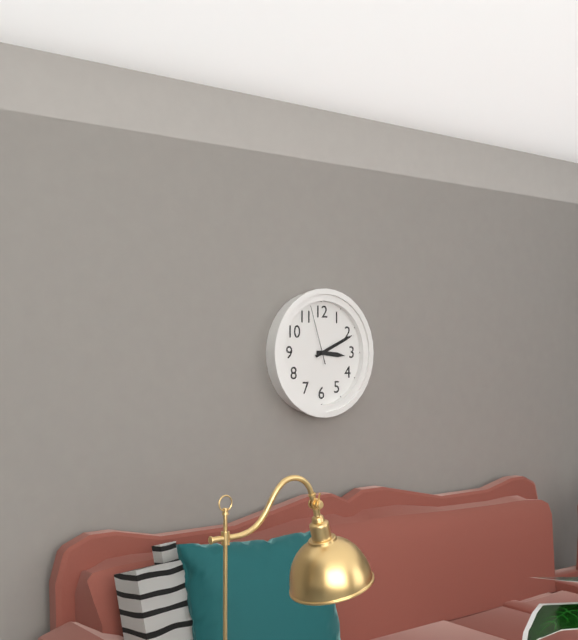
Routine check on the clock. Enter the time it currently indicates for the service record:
3:11:57
